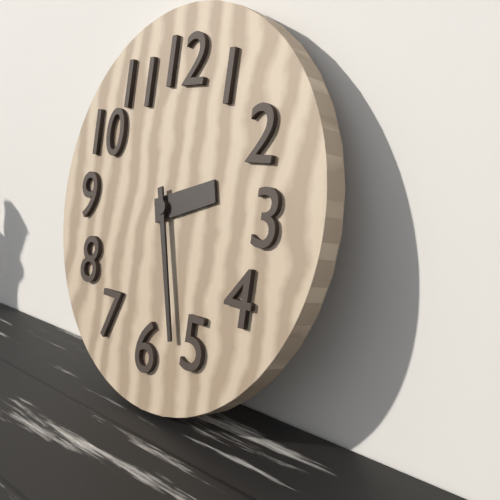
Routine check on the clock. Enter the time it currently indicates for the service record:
2:27
